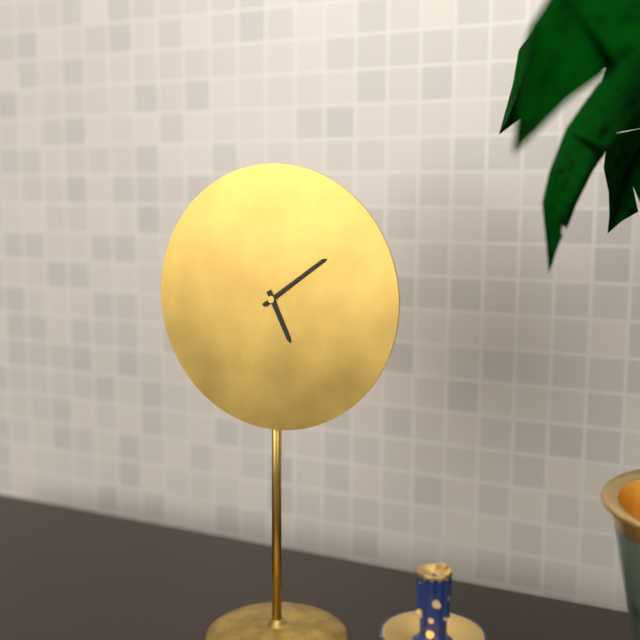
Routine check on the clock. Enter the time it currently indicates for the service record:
5:09
